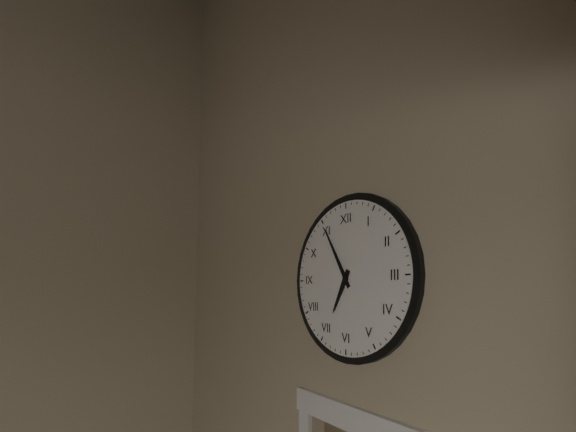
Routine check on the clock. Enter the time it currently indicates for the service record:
6:55
